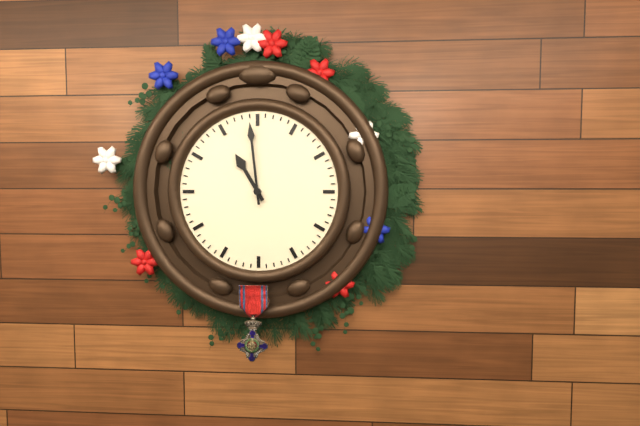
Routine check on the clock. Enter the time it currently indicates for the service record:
10:59
